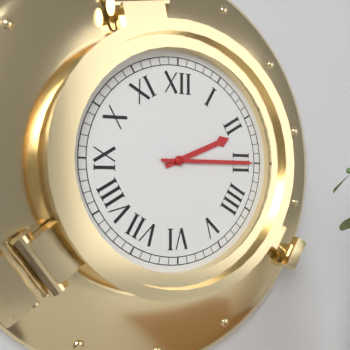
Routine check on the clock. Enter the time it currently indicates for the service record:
2:15
